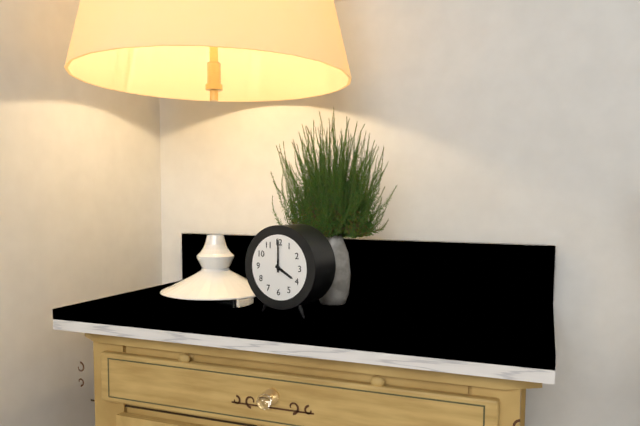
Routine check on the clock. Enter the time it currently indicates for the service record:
4:00
